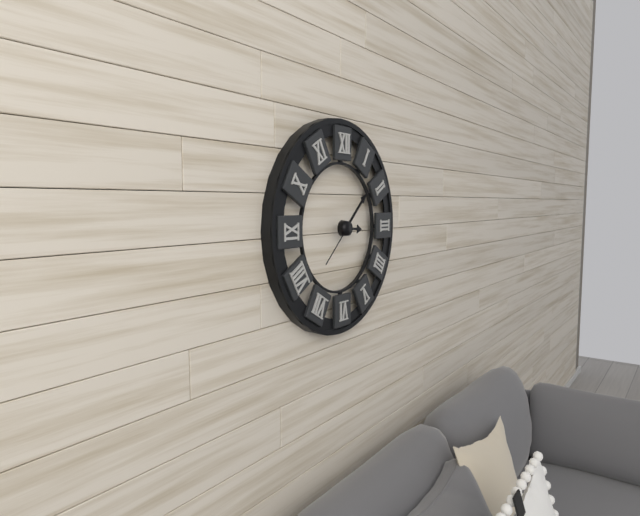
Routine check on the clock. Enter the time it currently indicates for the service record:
3:08:08
